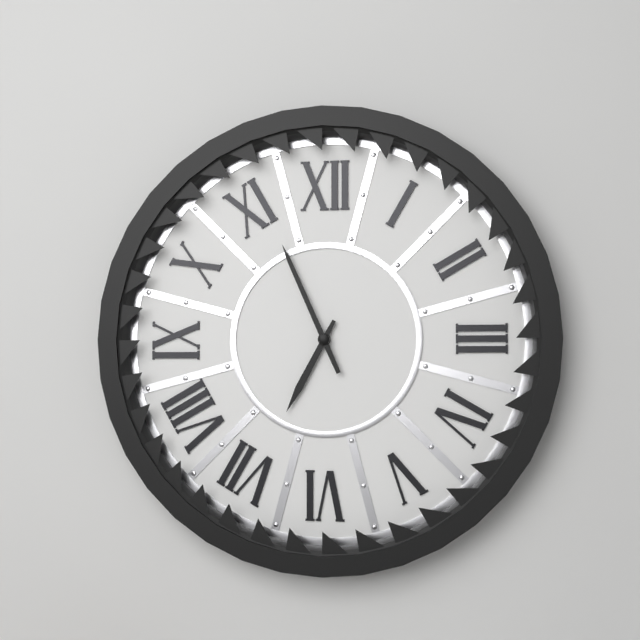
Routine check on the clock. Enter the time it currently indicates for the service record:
6:56
